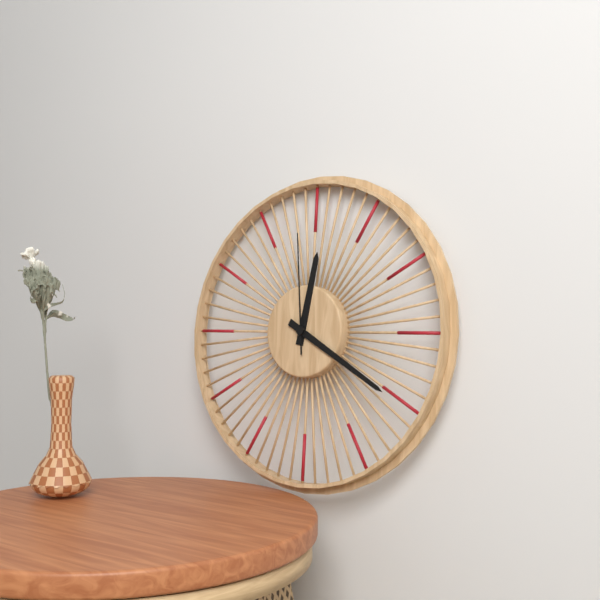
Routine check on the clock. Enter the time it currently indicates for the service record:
12:20:59
